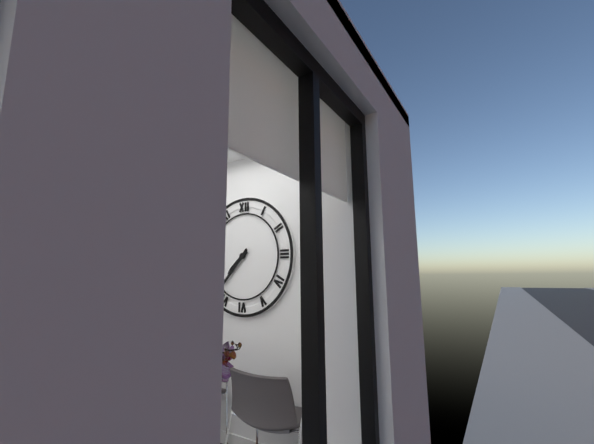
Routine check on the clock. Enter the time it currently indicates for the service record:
7:37
